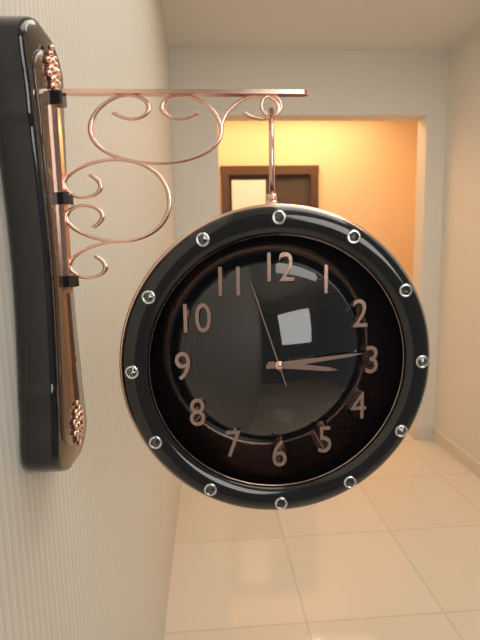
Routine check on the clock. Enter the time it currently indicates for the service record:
3:14:57
